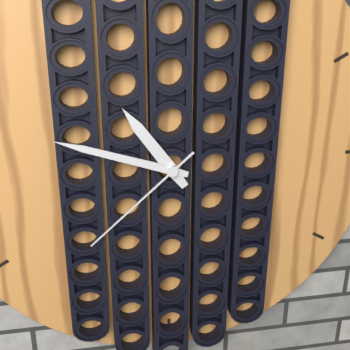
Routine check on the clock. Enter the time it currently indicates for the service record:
10:48:38
